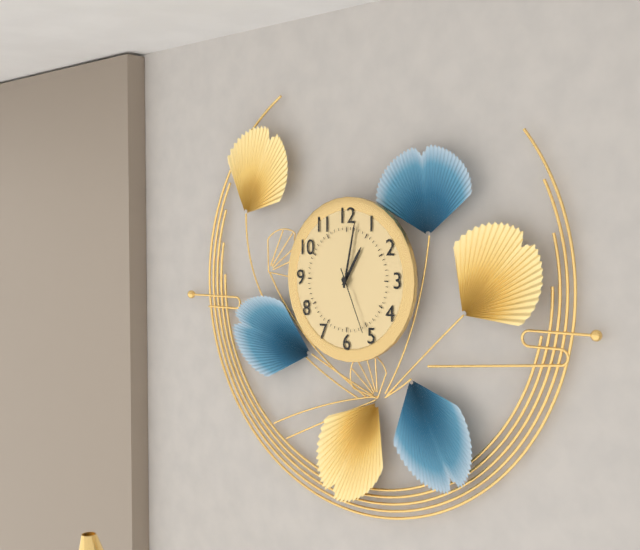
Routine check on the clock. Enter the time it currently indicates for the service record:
1:02:26
